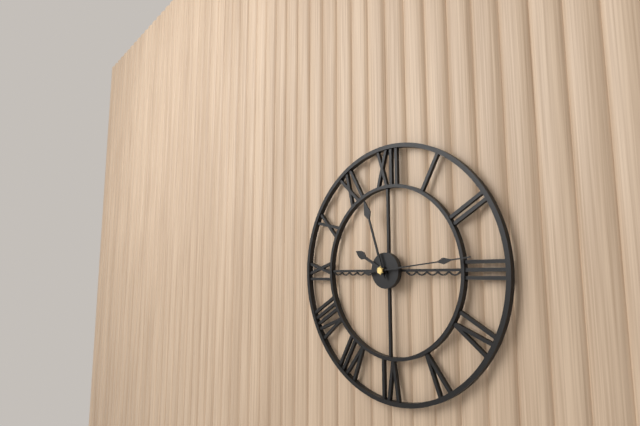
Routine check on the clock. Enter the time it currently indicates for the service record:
9:57:14
